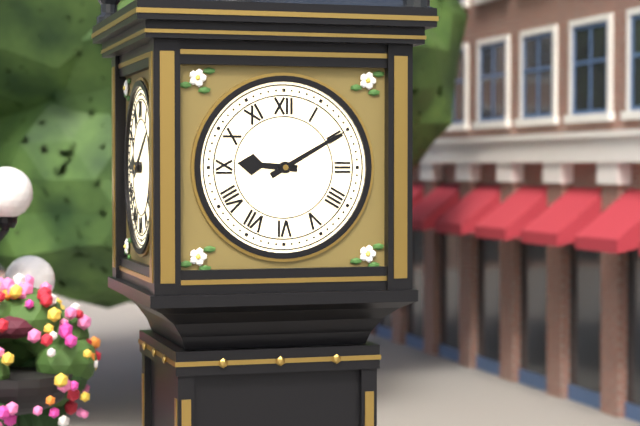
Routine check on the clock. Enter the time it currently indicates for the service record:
9:10
